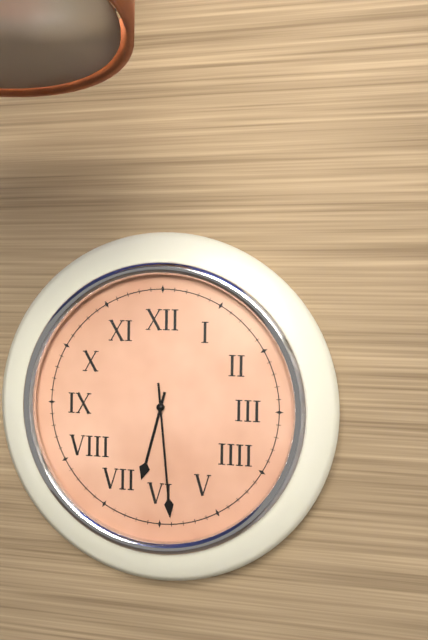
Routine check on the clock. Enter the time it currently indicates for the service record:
6:29
